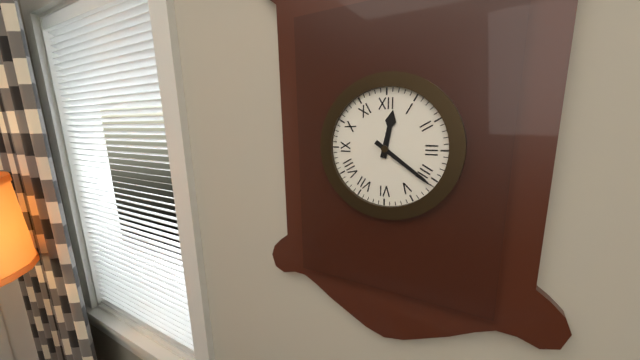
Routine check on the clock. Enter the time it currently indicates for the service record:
12:21
